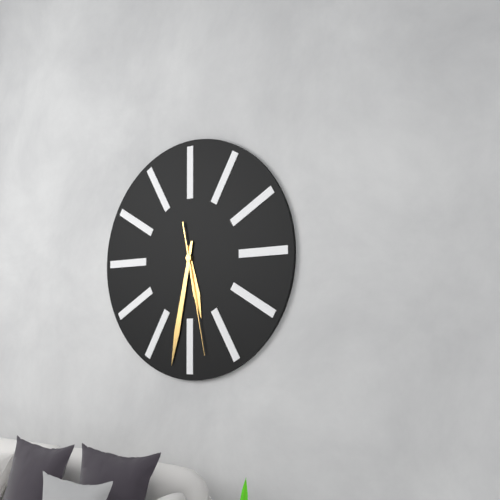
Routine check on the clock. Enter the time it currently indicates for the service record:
5:32:28
